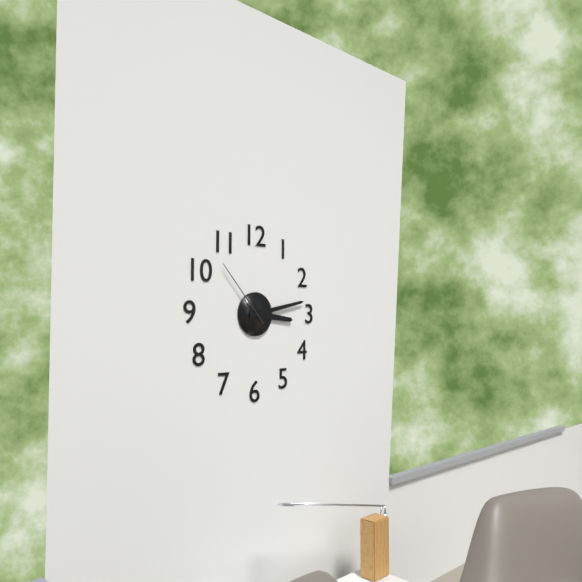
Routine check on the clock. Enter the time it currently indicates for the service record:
3:13:53
